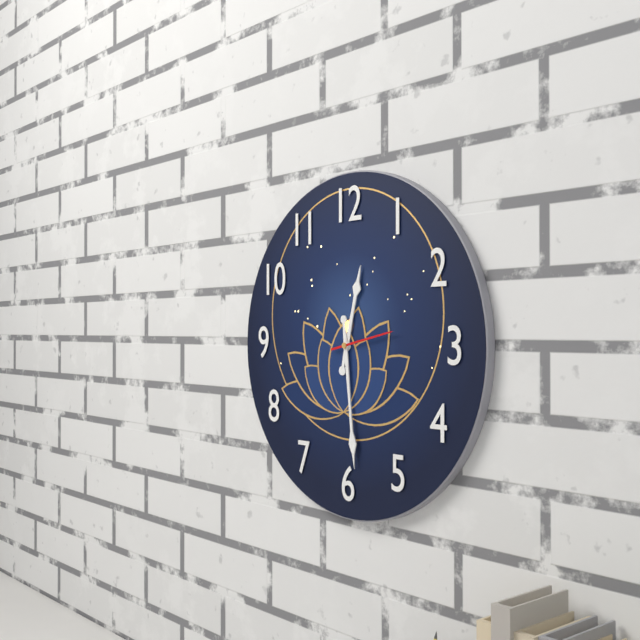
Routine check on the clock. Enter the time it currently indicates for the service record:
12:29
